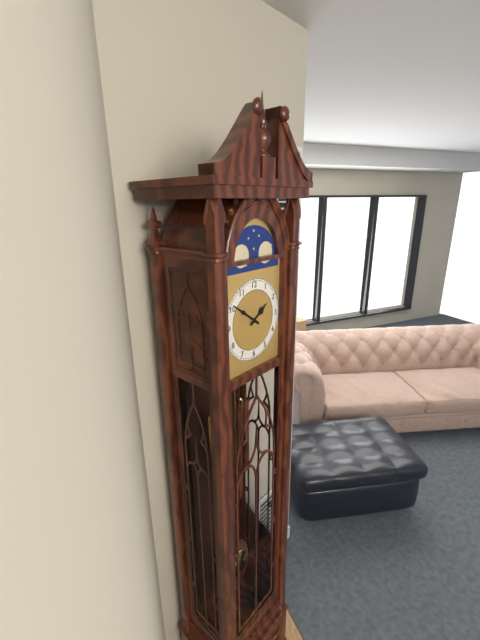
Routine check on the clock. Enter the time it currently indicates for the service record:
1:51
